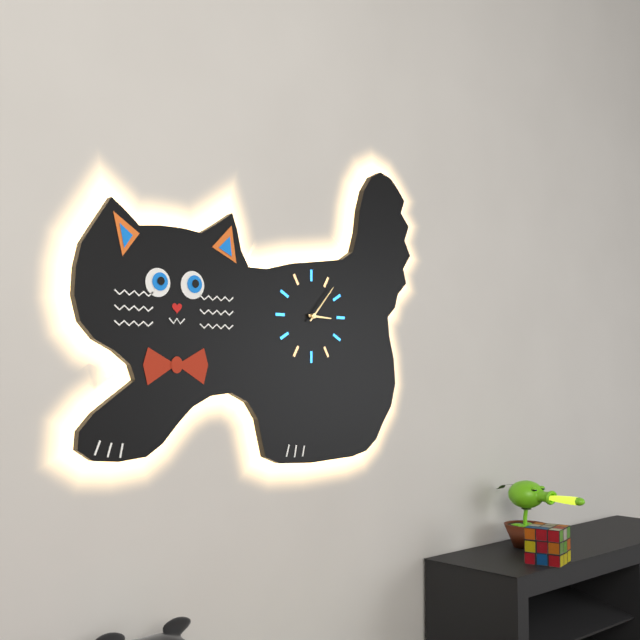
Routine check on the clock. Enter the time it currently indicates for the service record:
3:07
